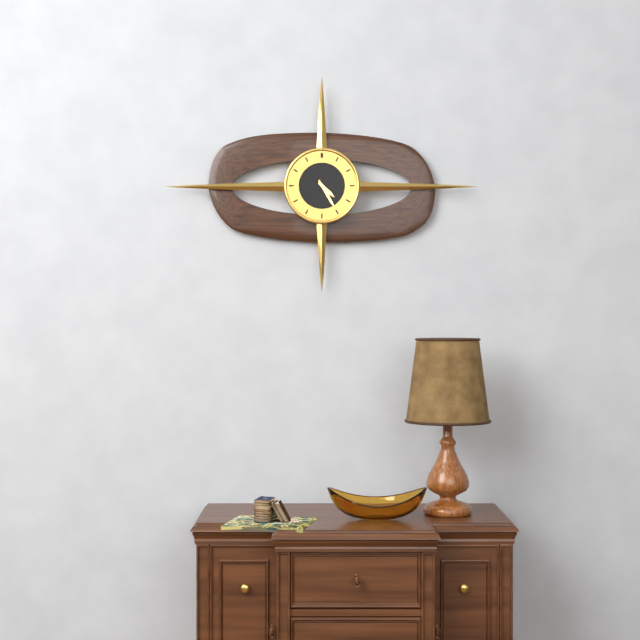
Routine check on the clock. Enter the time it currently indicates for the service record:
4:25
